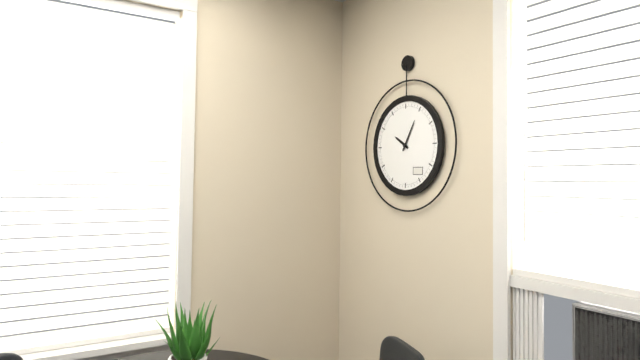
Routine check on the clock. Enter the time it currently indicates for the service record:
10:05
